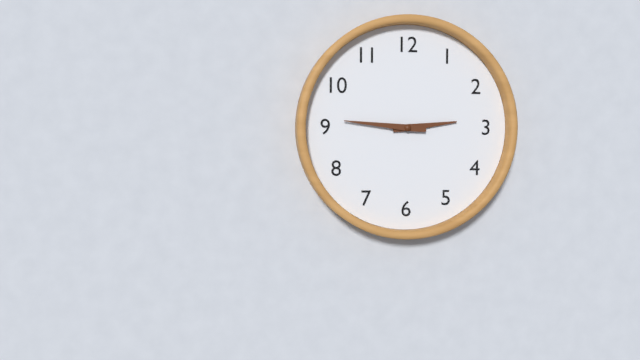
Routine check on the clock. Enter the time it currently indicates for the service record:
2:46
